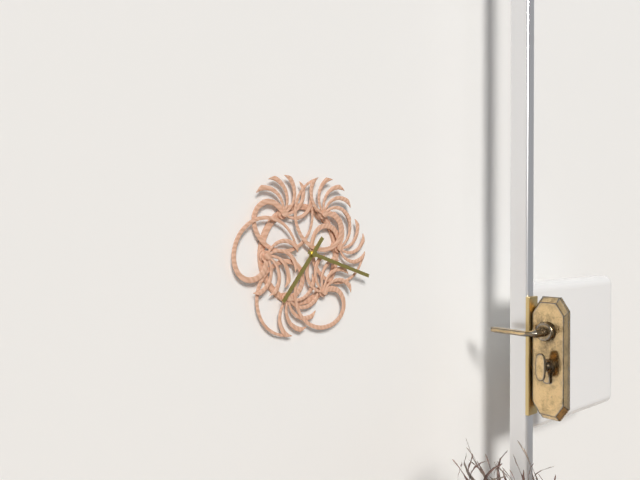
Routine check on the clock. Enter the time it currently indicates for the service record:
7:18
